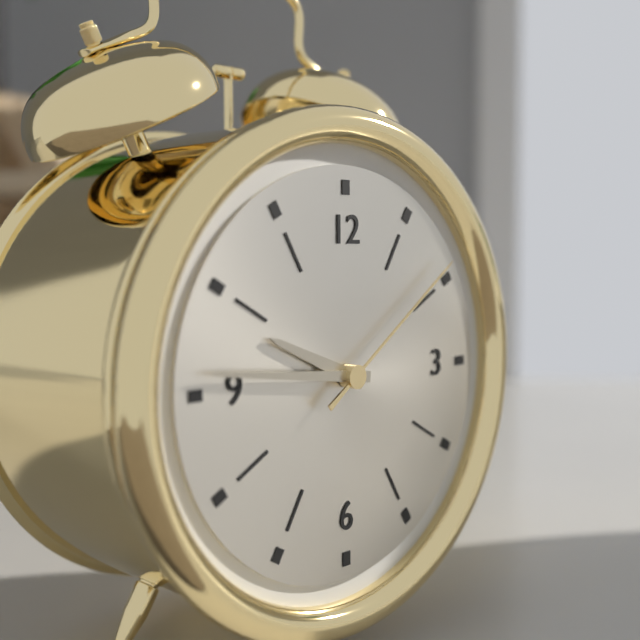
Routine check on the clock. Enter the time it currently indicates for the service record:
9:46:09
